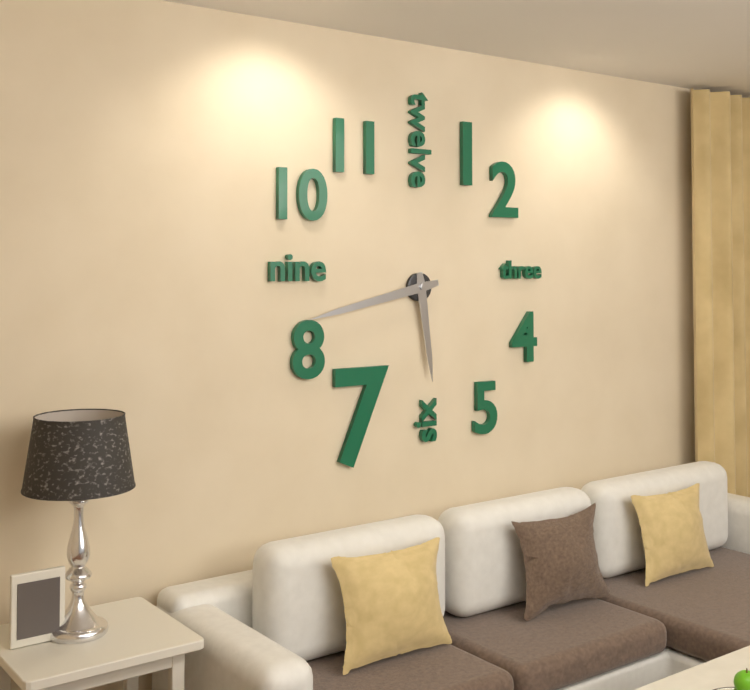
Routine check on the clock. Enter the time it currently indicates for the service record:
5:43
